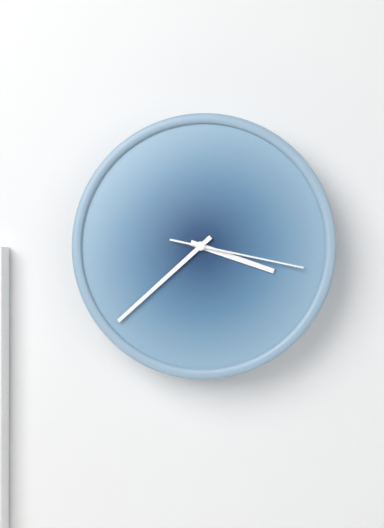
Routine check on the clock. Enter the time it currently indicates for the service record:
3:38:17
